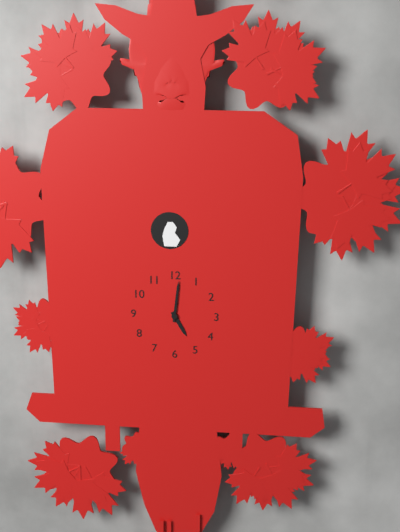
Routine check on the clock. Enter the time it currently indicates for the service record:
5:01
